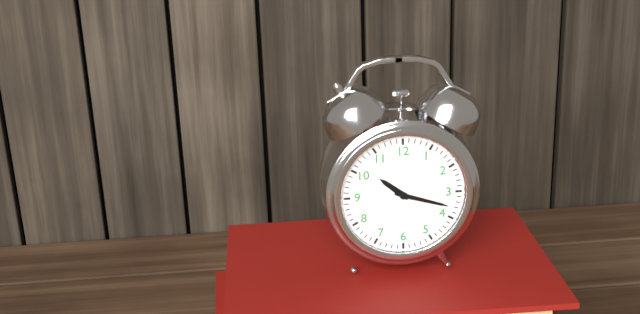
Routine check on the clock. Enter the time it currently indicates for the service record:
10:18
